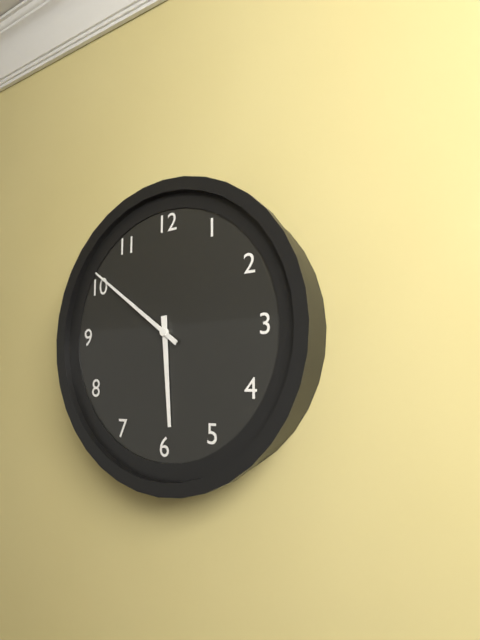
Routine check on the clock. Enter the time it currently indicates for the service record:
5:51
